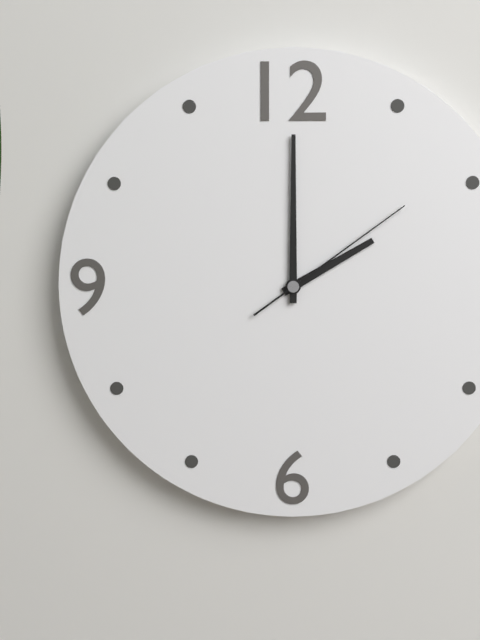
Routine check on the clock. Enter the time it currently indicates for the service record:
2:00:09
